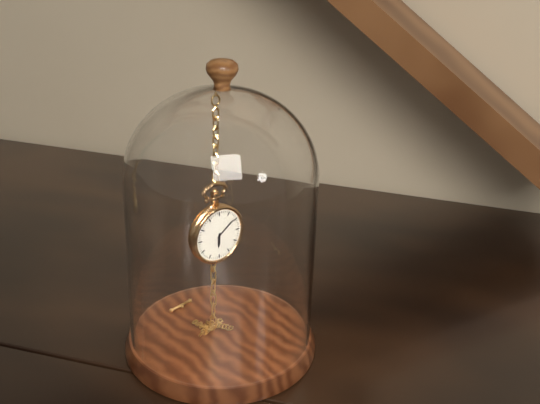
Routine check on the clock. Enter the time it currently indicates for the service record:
6:09
